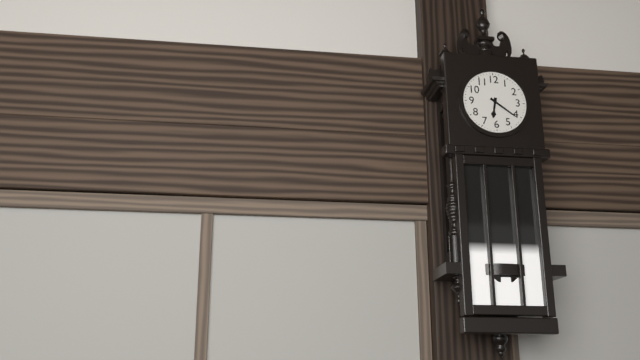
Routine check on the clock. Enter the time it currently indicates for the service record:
6:21
